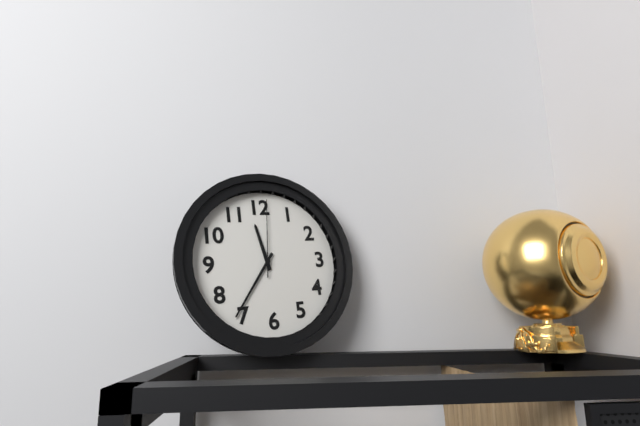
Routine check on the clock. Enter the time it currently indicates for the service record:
11:36:01
